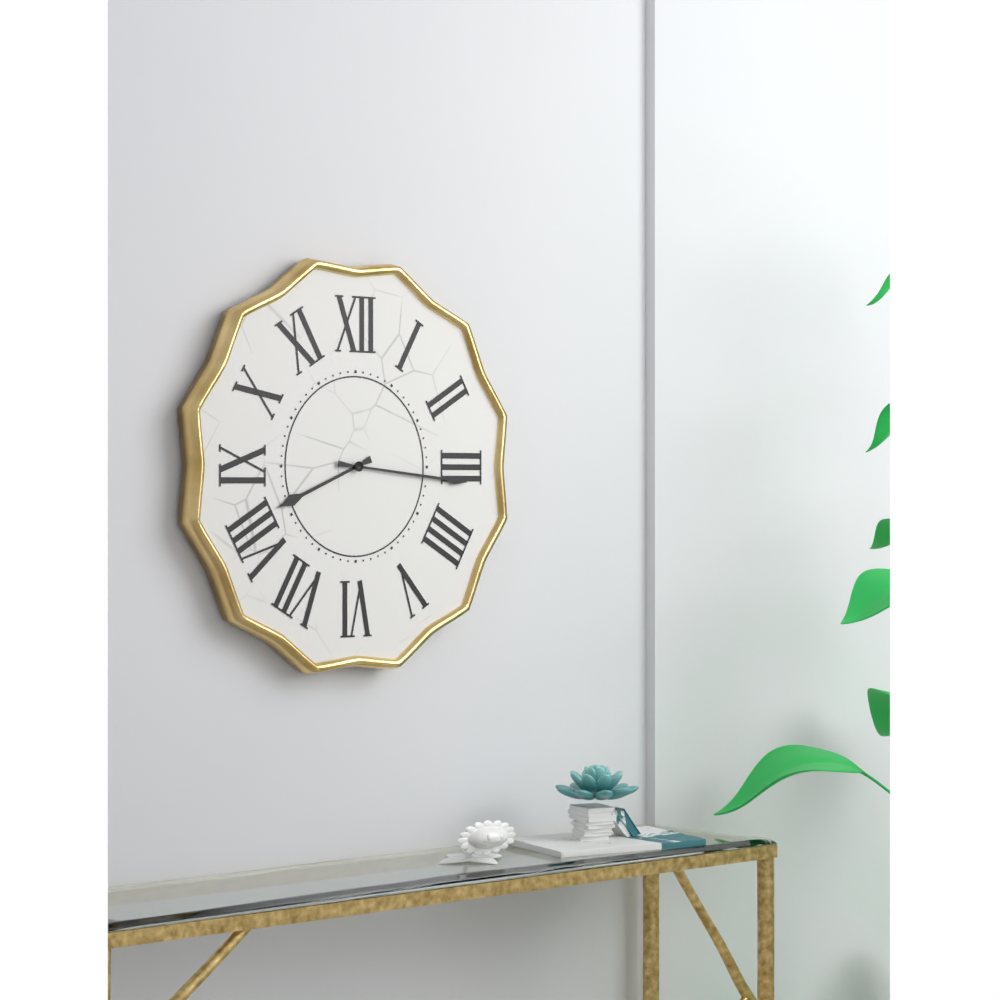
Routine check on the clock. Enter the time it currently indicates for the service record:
8:16
